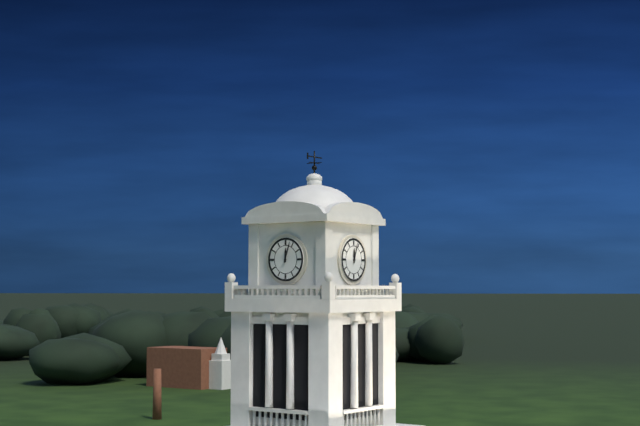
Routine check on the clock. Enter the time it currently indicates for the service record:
12:03
